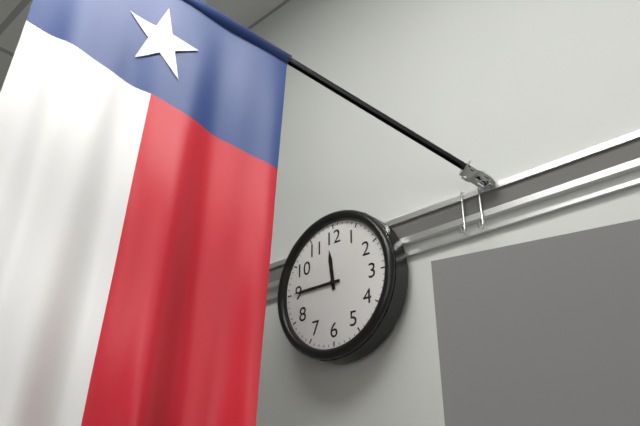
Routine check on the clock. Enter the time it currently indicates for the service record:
11:45
